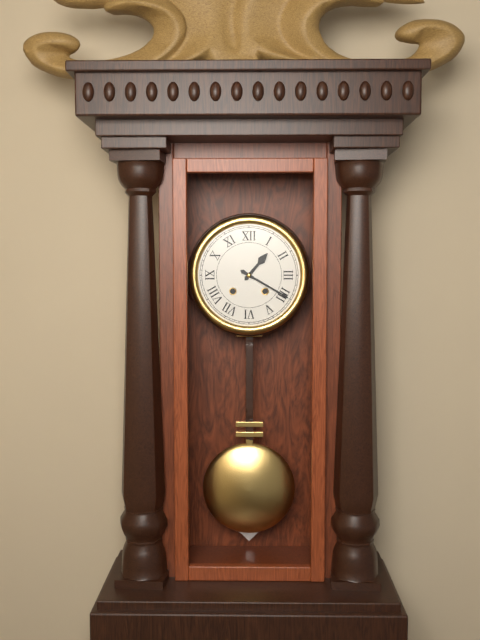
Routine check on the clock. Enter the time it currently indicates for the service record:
1:20
